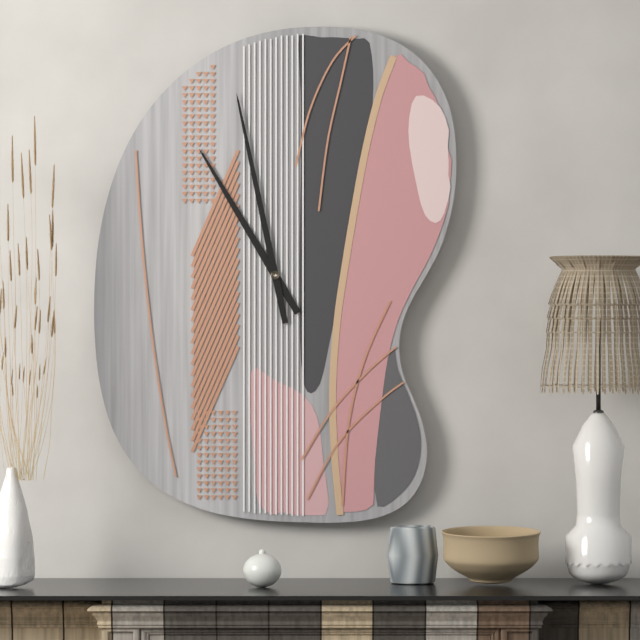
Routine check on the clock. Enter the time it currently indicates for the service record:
10:58
